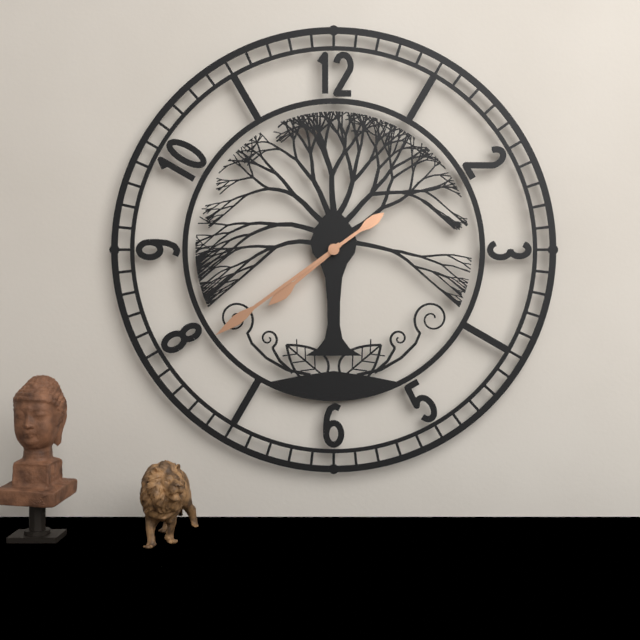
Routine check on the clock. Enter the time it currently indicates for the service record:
7:39
